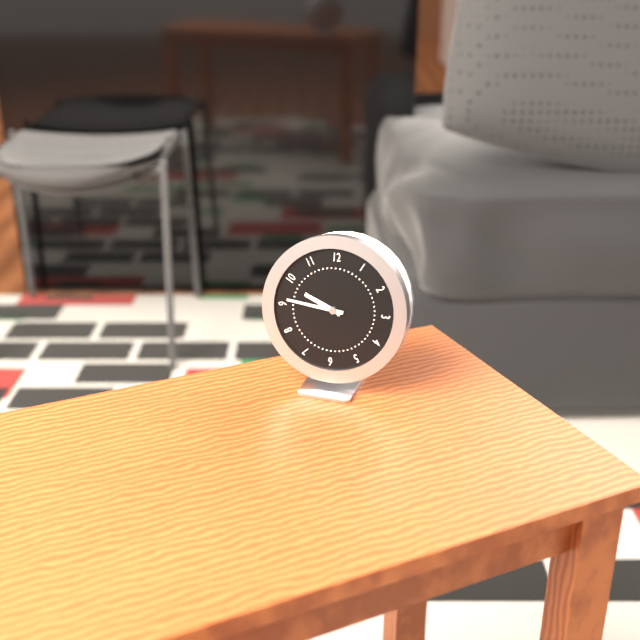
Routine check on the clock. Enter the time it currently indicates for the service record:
9:46
